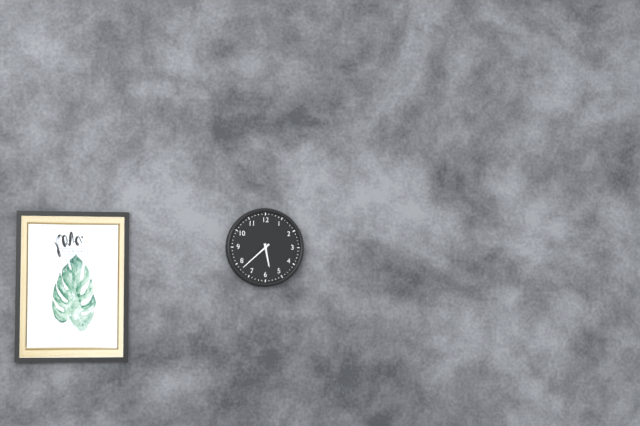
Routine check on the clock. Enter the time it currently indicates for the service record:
5:38
